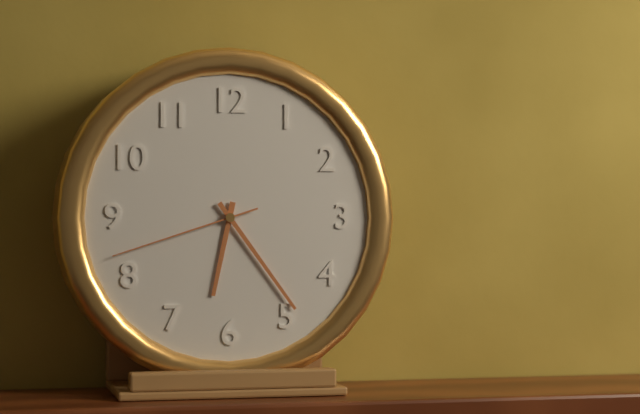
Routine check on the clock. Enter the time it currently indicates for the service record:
6:24:42
